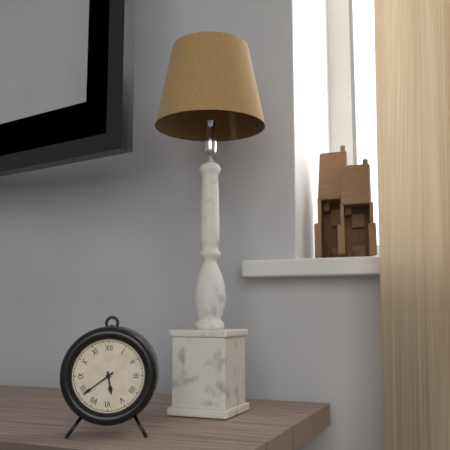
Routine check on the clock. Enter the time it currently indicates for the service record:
5:39
